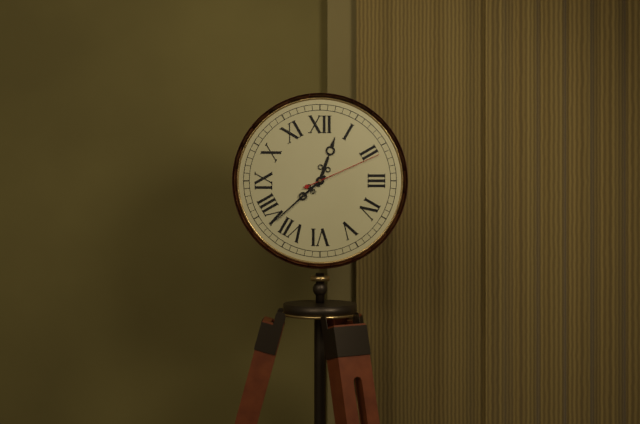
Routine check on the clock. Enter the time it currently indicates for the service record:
12:38:11
